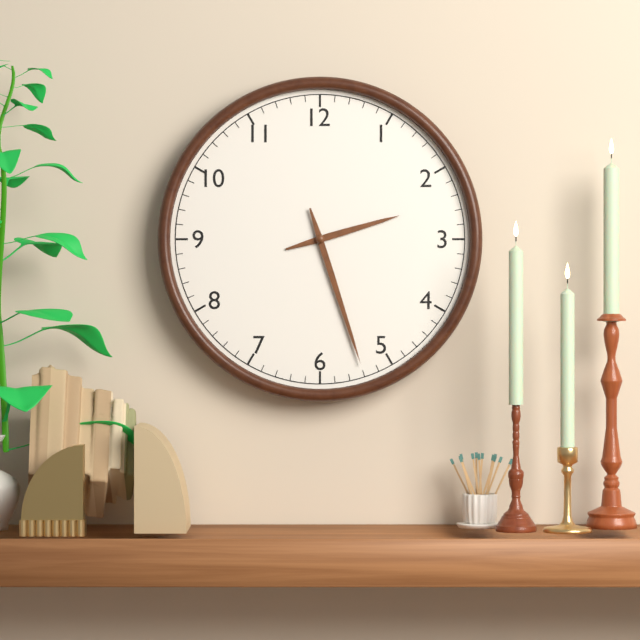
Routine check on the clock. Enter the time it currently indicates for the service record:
2:27
